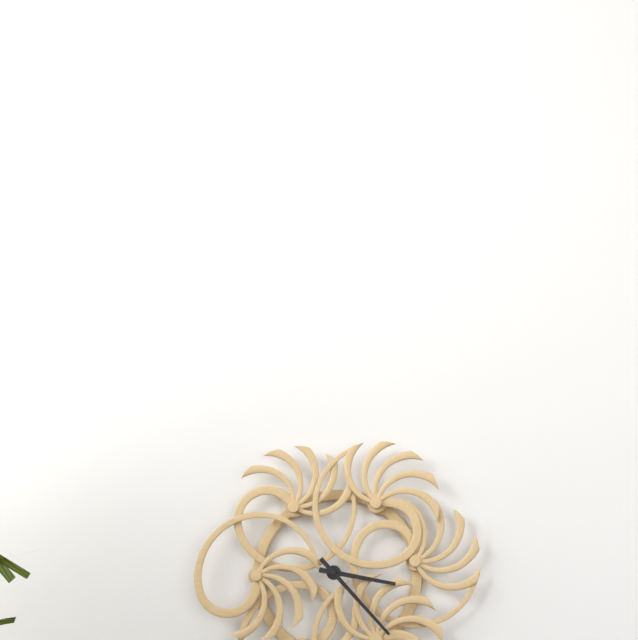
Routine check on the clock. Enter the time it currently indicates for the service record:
3:23
